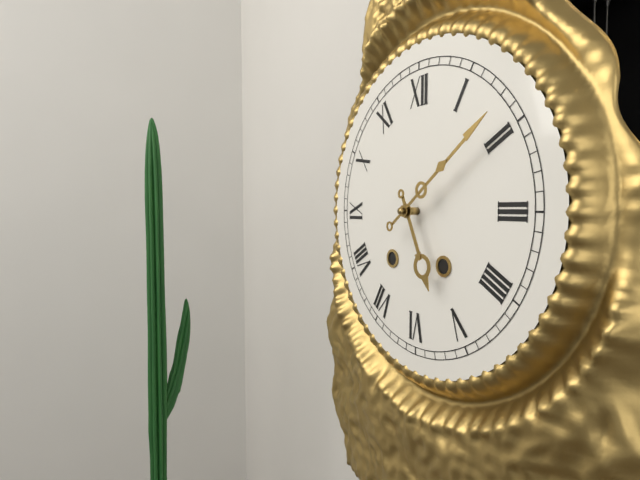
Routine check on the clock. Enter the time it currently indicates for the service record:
5:09
